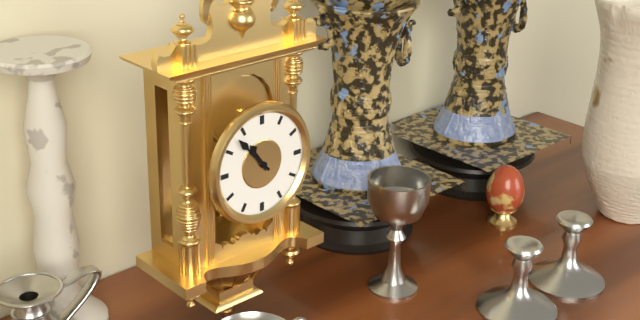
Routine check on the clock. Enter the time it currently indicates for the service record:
10:53
